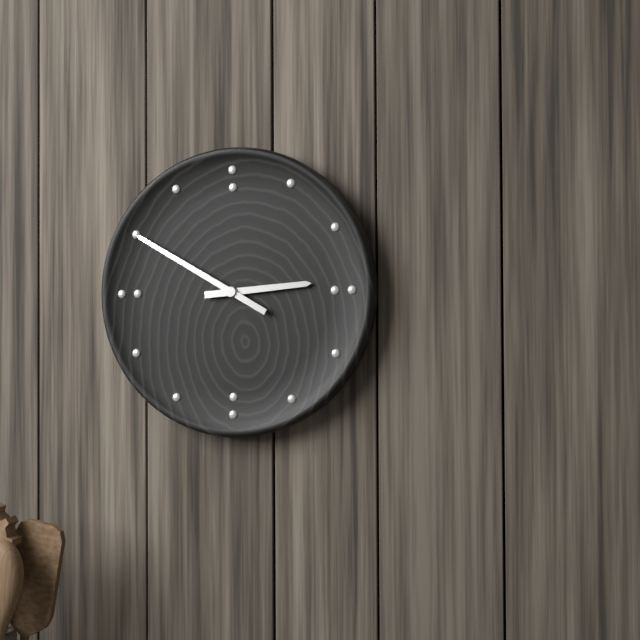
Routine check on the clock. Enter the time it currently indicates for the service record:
2:50
